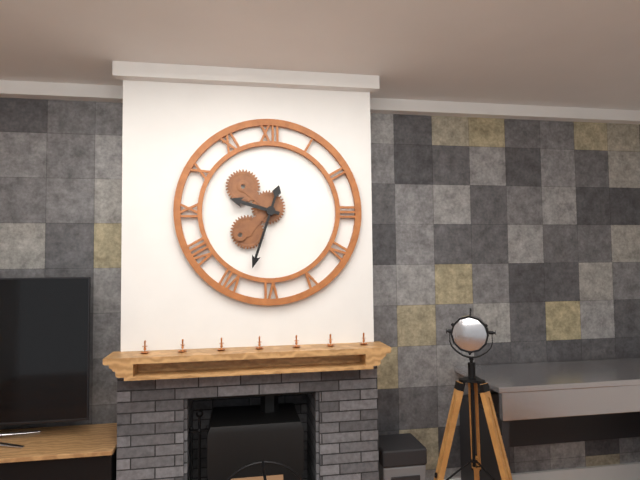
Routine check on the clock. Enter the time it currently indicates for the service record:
9:33
